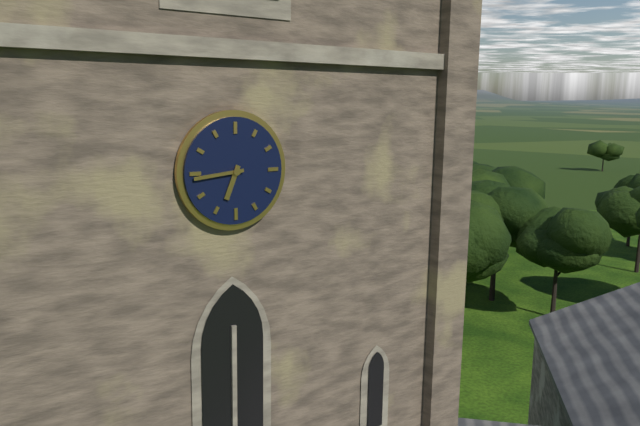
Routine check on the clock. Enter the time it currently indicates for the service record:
6:44
